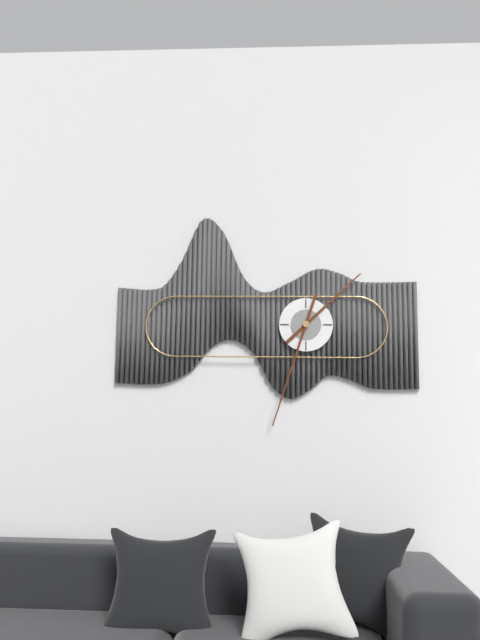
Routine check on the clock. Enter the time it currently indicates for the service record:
1:33
